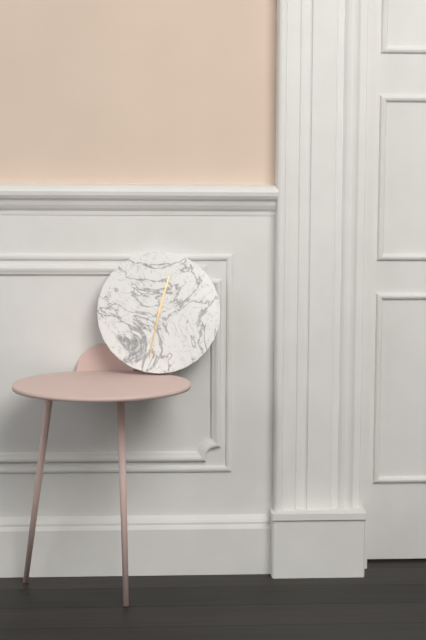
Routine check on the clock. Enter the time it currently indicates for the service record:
12:32
